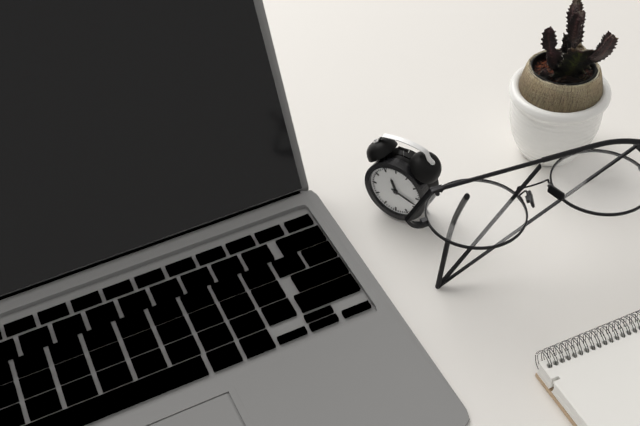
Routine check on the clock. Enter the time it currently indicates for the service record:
11:18
